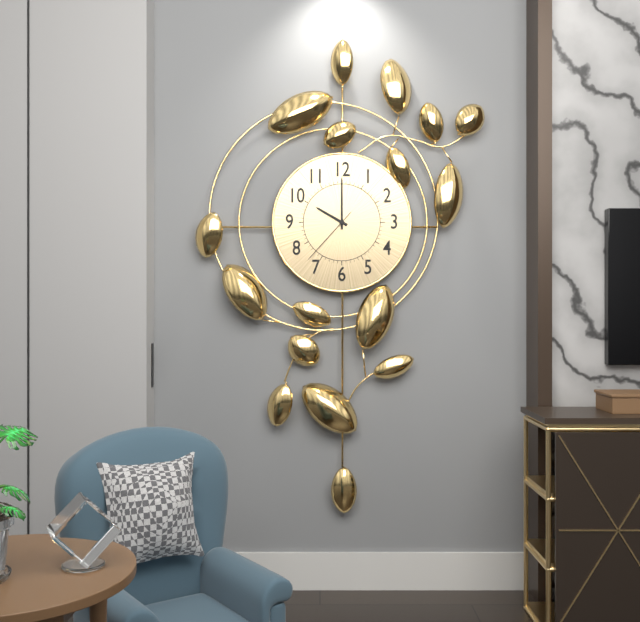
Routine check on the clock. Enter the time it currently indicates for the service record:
10:00:37
